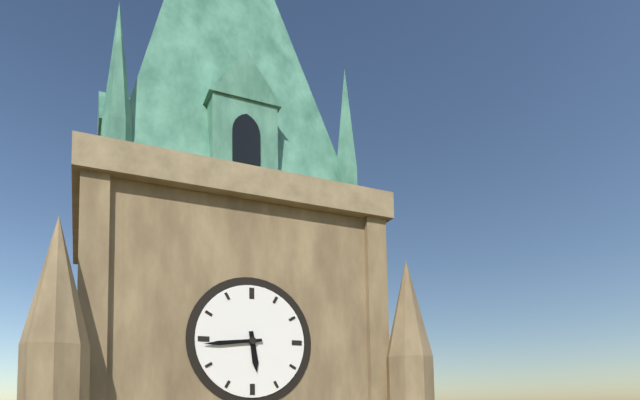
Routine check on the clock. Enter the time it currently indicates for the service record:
5:44
